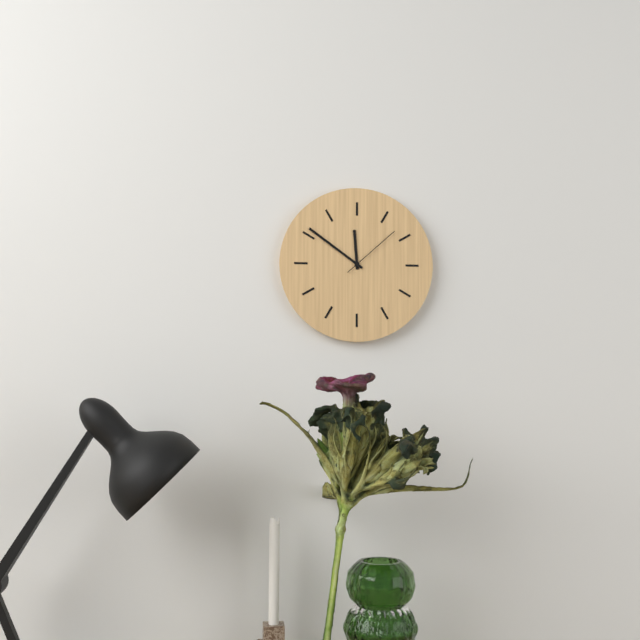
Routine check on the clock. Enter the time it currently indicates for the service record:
11:51:08
